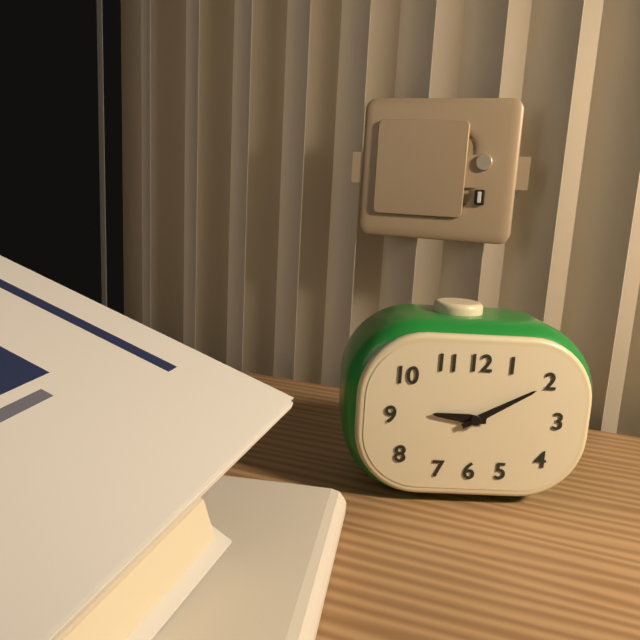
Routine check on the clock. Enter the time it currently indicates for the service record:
9:10
